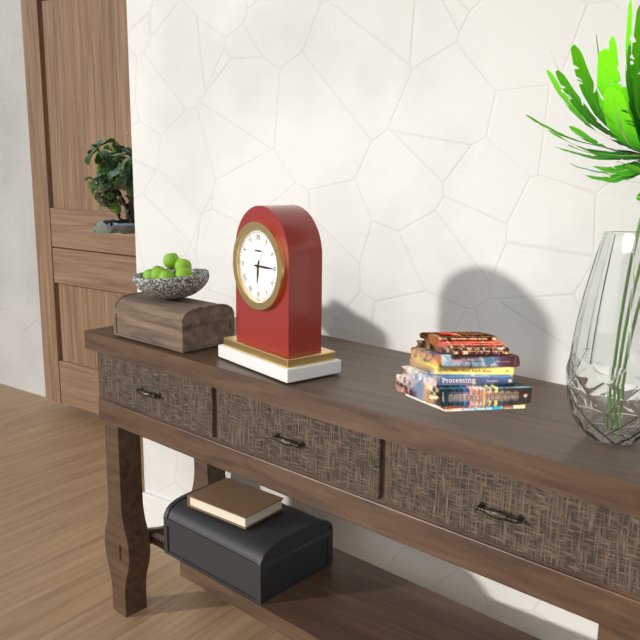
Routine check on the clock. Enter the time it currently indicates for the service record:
6:15
